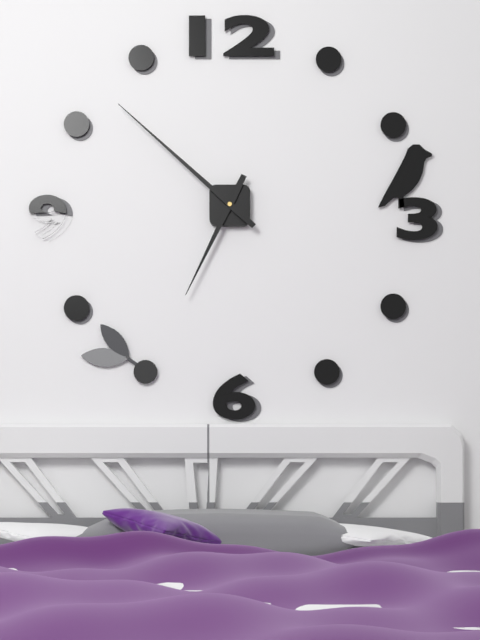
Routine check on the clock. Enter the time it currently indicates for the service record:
6:52
